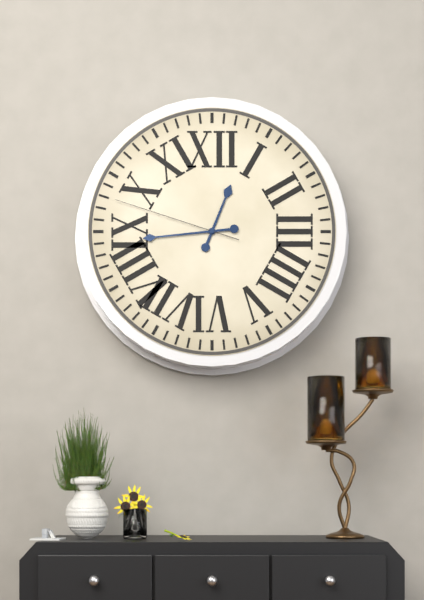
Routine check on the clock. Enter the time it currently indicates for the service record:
12:44:48
